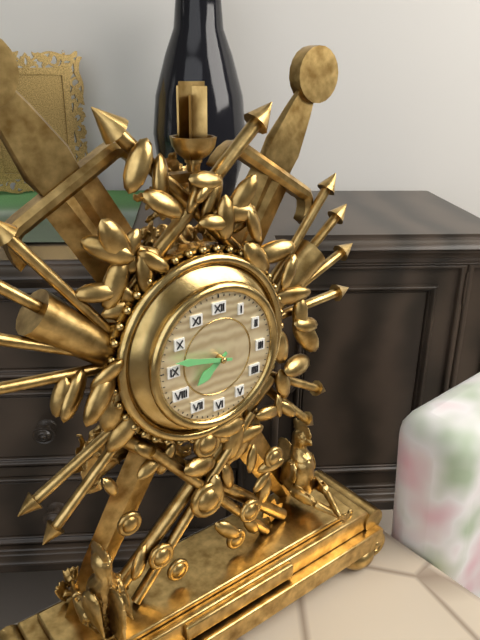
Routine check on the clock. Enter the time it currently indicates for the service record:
7:47
